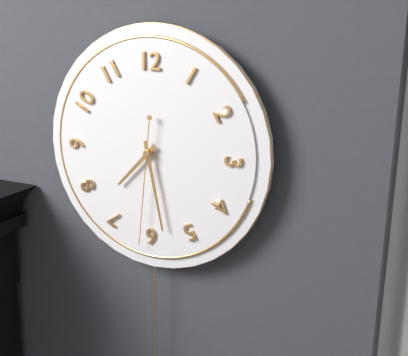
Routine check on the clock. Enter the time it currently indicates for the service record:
7:28:31
